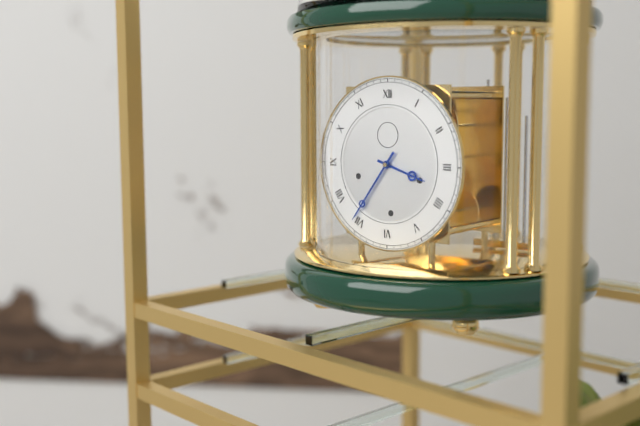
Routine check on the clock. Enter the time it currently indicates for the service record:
3:36
